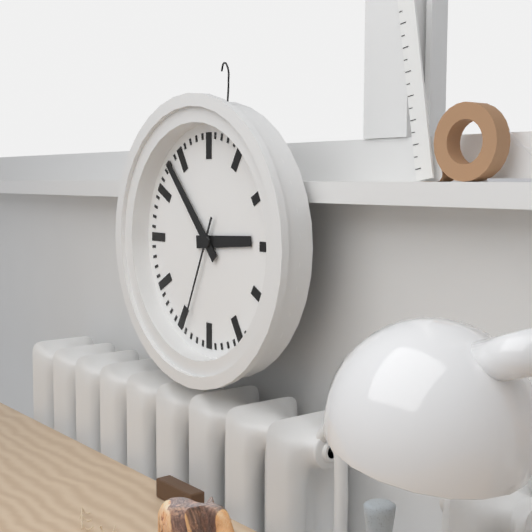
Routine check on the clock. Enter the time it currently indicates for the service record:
2:53:34
